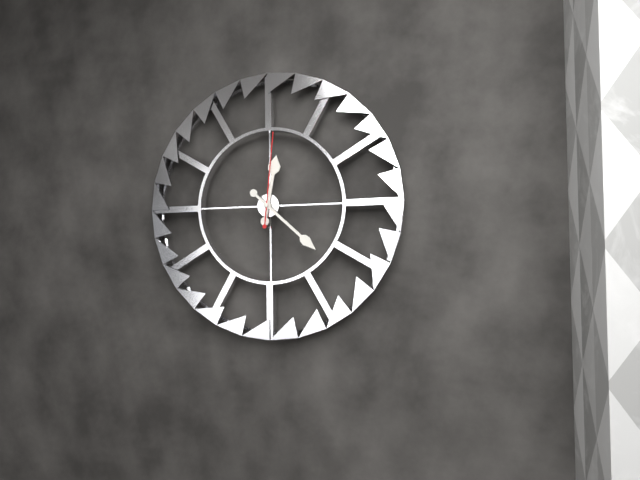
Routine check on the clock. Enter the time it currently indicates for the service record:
12:22:01
